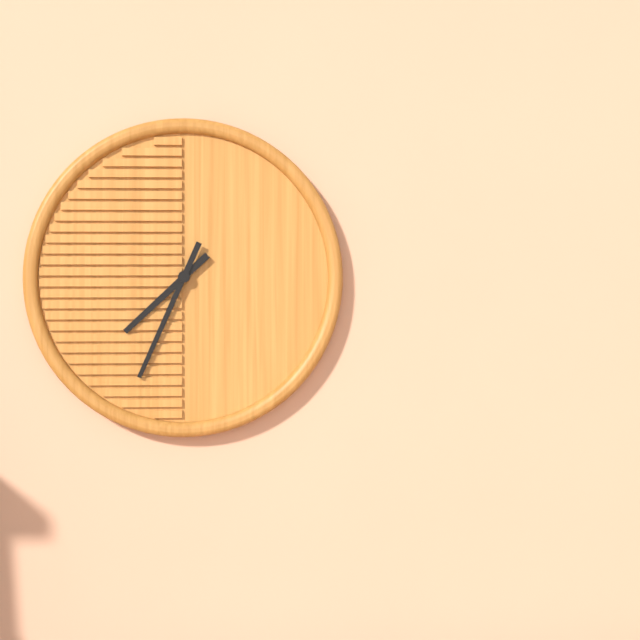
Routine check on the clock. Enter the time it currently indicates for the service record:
7:34
